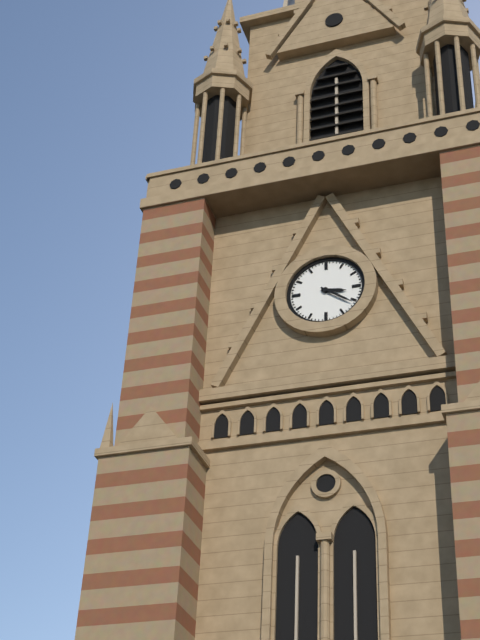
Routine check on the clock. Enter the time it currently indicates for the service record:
3:21
